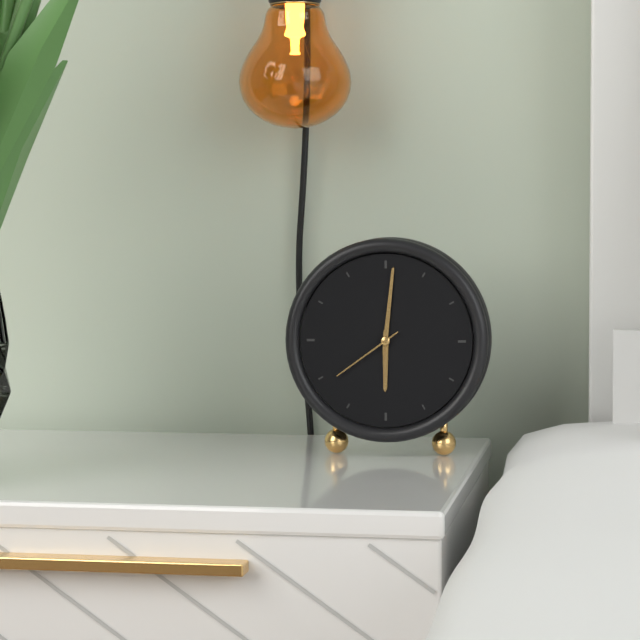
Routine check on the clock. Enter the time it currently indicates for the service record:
6:01:39
